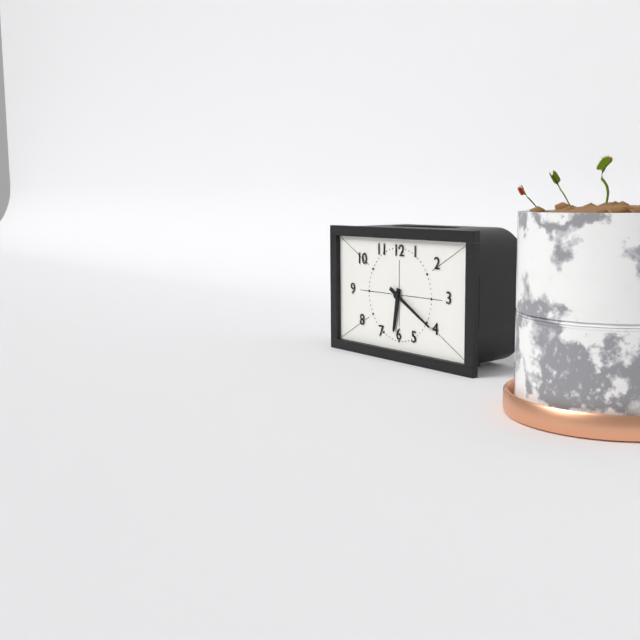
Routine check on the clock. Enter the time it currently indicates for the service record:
6:20
